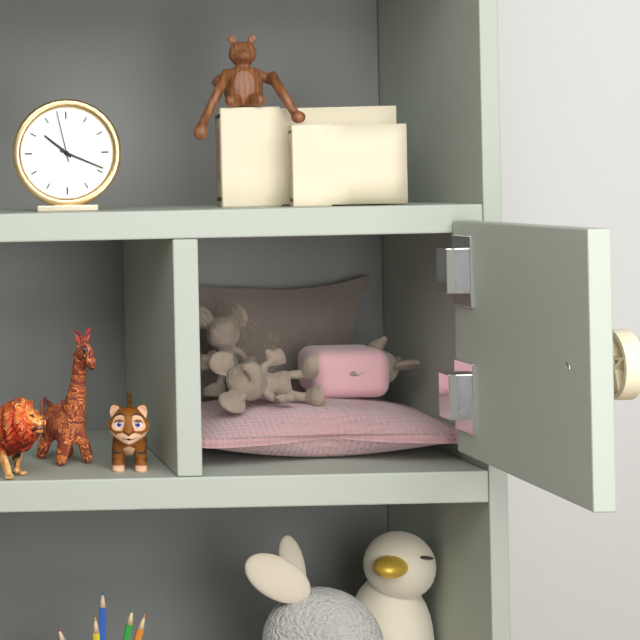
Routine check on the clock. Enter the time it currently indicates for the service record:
10:19:58
